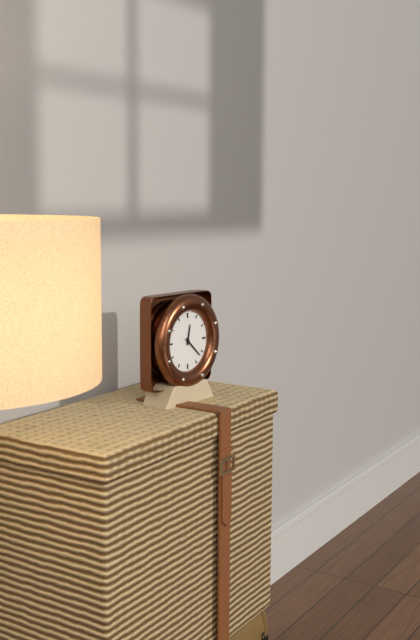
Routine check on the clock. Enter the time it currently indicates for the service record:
12:22
